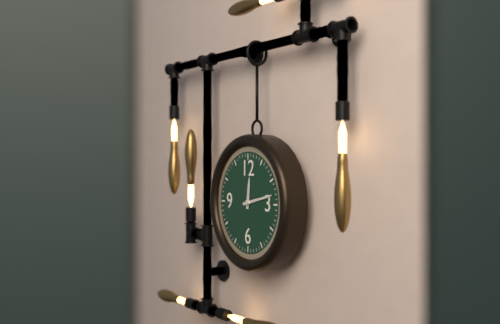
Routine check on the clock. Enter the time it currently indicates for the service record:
12:13
